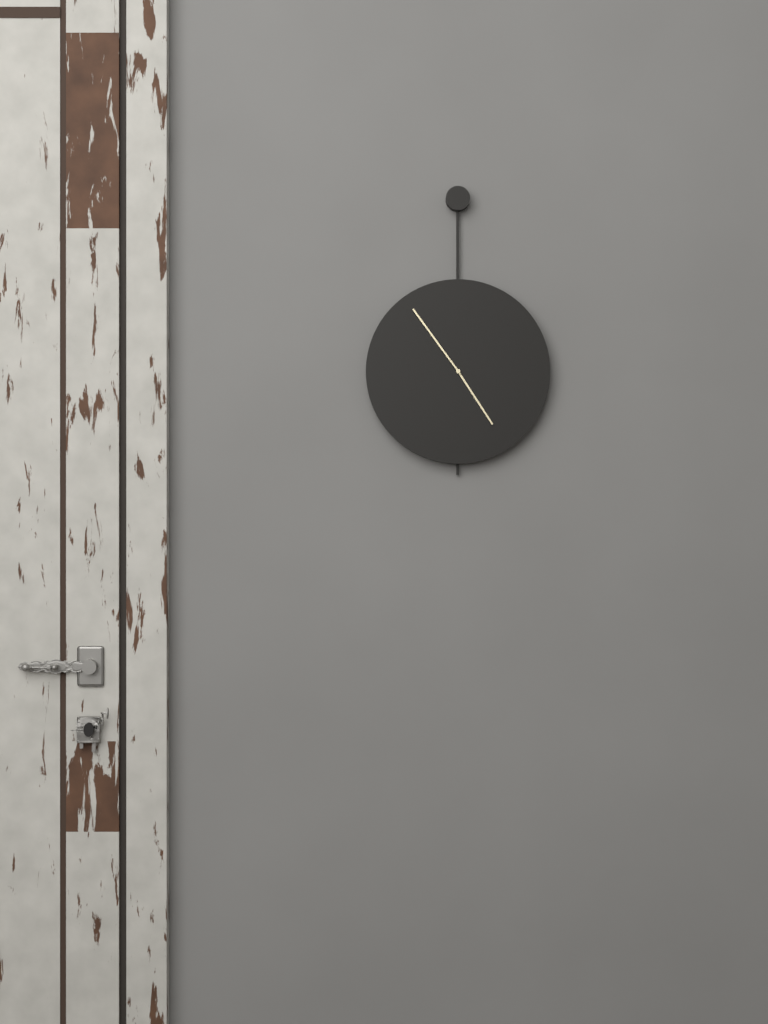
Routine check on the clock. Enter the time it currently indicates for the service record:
4:54
